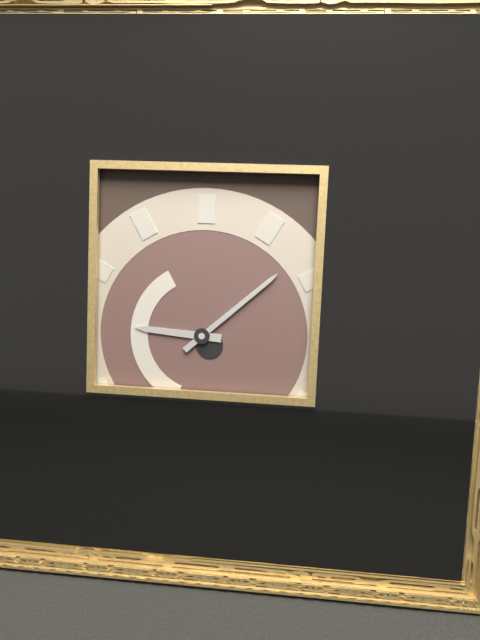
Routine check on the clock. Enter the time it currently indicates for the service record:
9:08
